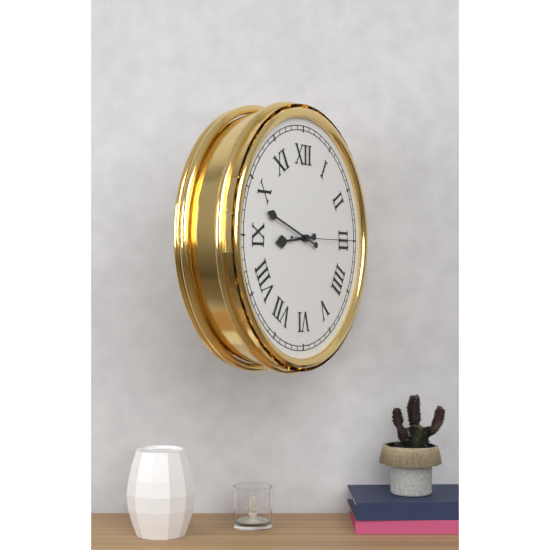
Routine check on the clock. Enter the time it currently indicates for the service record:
8:48:15
